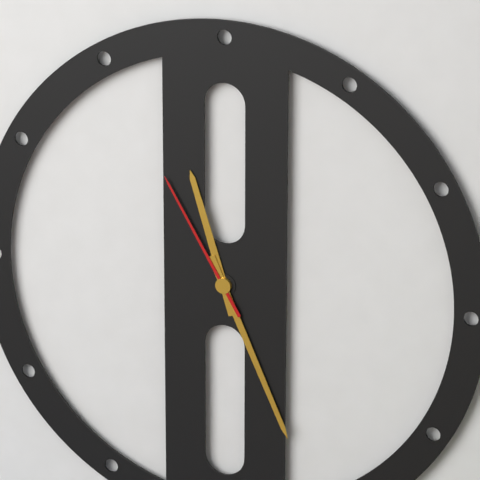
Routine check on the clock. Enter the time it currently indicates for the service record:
11:26:55
